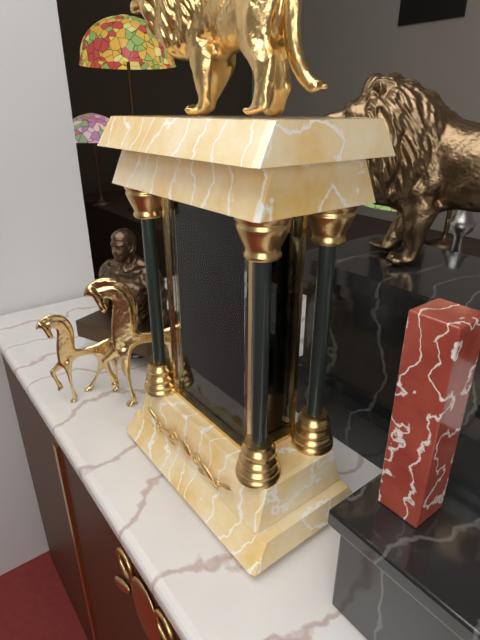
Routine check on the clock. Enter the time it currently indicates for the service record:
2:01
